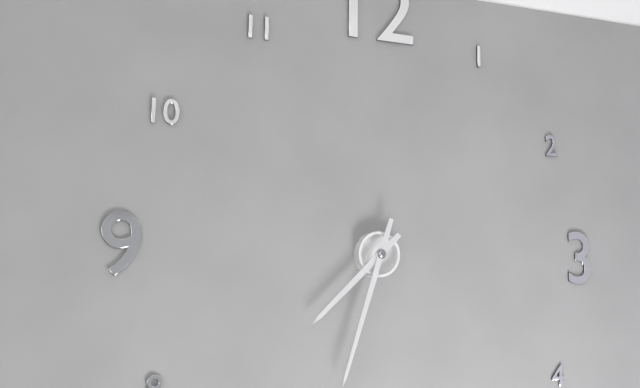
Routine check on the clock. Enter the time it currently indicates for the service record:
7:33
